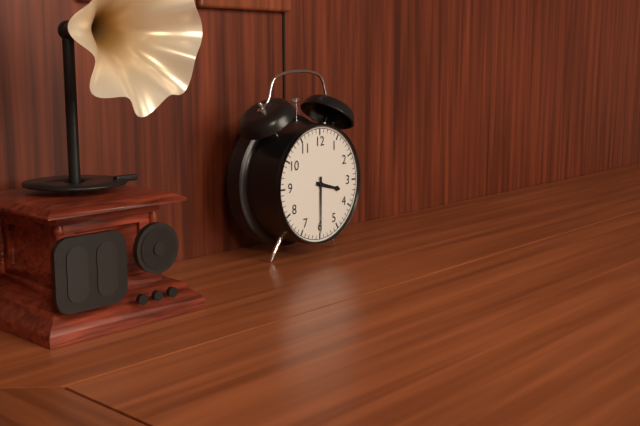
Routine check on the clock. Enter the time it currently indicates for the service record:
3:30
